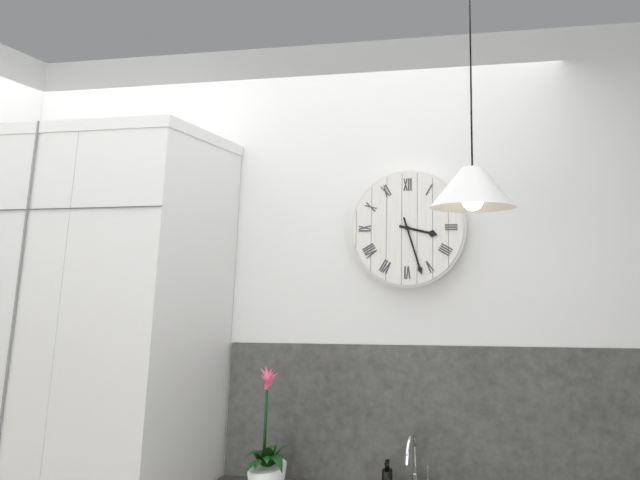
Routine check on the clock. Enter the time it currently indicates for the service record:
3:27
